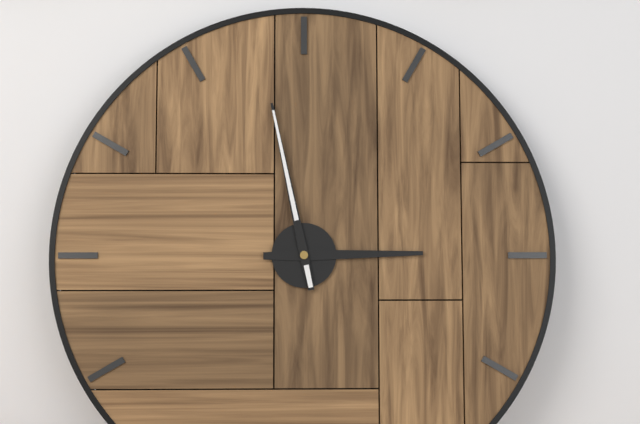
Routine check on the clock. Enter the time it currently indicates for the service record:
2:58
